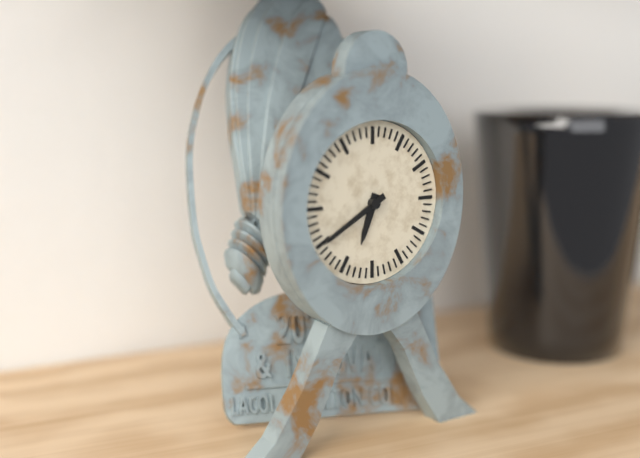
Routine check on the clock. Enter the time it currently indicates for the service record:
6:40
